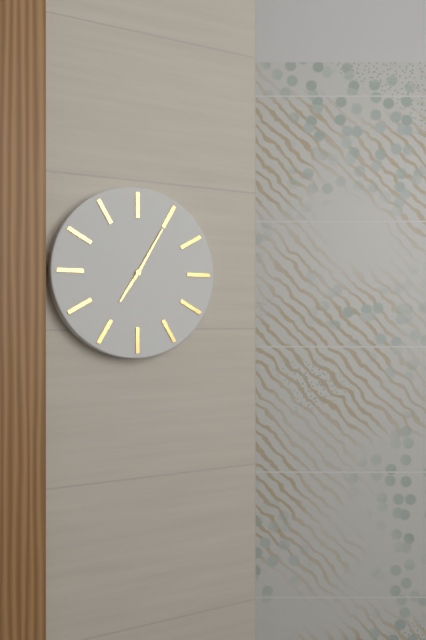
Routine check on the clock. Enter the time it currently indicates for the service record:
7:05
